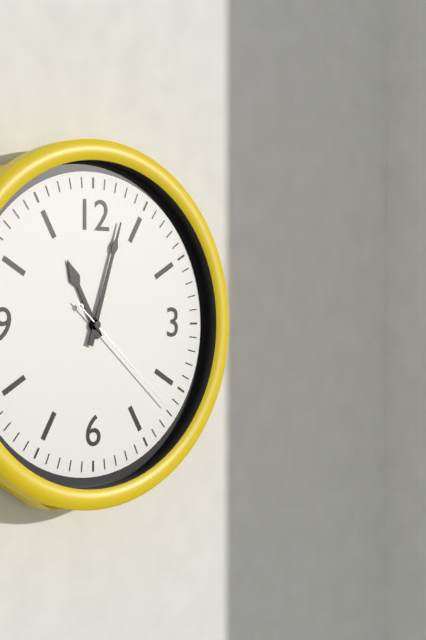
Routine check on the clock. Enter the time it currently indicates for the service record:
11:03:22
